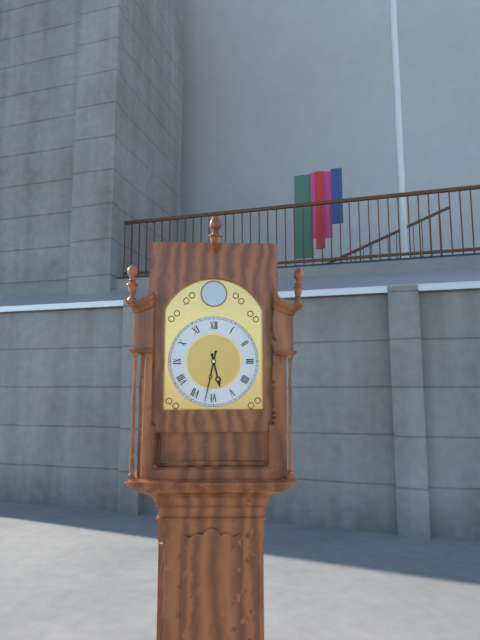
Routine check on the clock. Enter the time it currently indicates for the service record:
5:32
